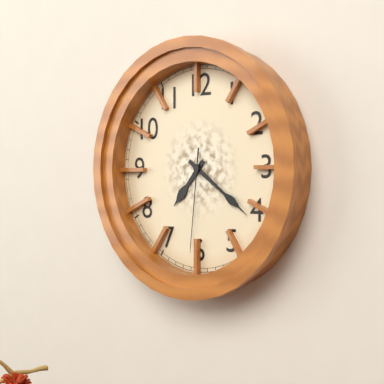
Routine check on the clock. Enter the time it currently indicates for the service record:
7:21:31
